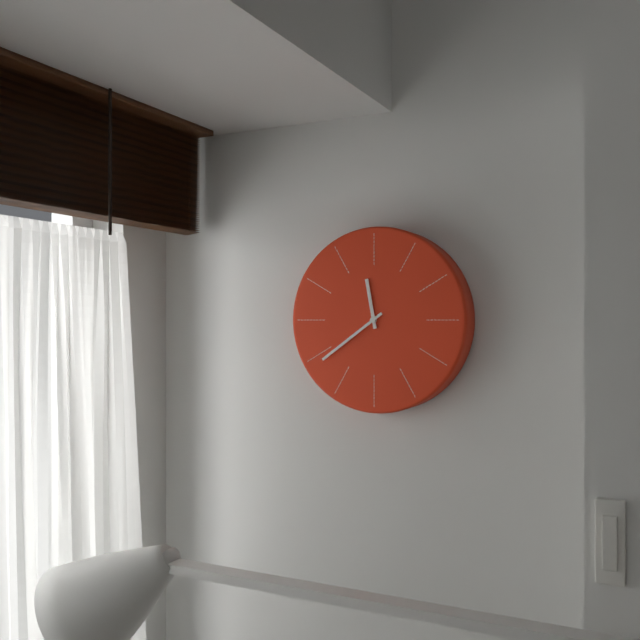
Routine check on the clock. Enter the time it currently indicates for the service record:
11:39
